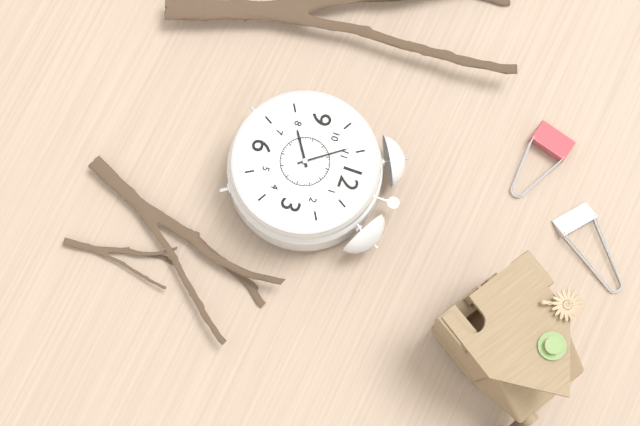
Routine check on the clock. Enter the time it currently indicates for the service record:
7:54
